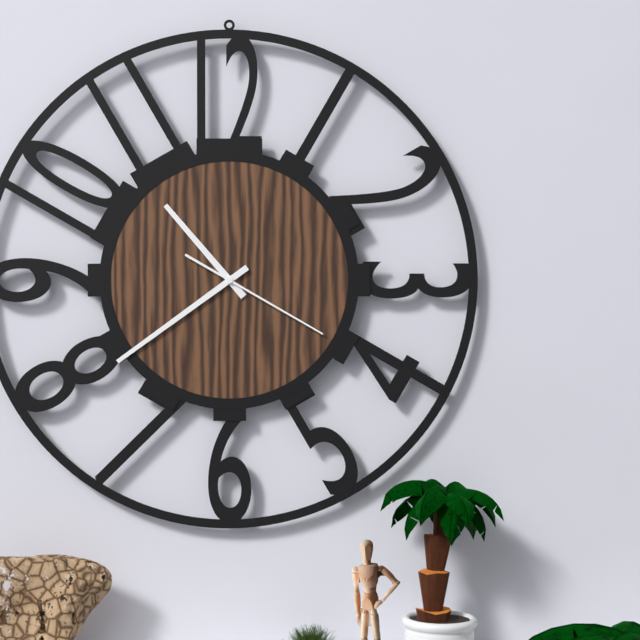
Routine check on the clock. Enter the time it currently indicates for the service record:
10:39:20
